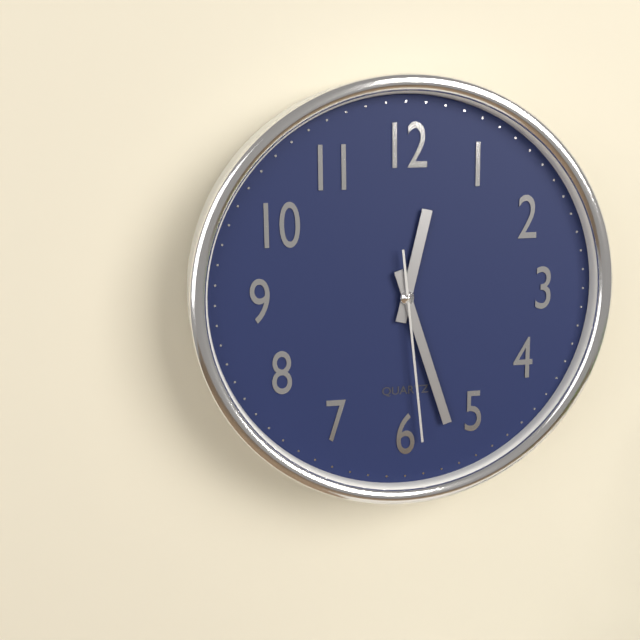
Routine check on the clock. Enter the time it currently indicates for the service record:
12:27:29
